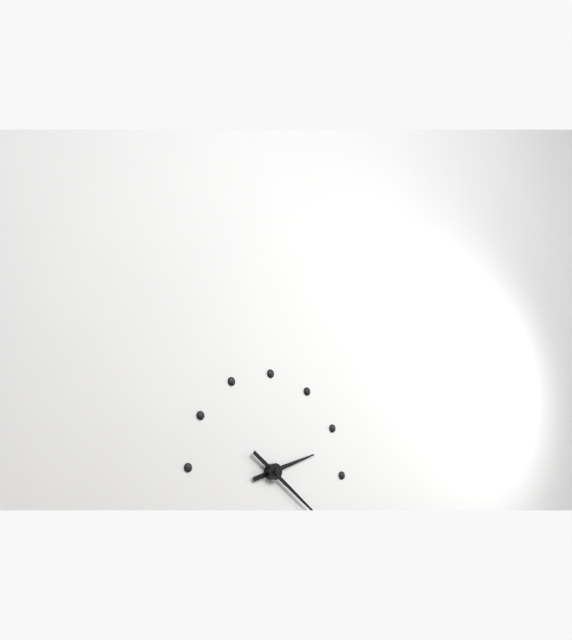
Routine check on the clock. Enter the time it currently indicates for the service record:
2:21
